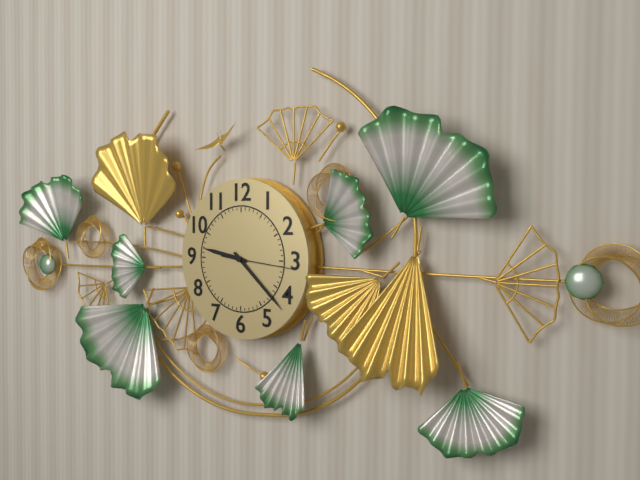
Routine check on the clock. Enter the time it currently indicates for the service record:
9:22:16
